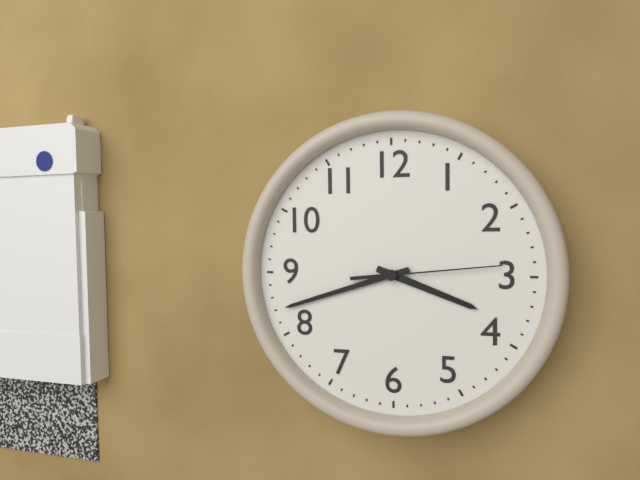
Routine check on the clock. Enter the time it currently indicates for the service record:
3:42:14
